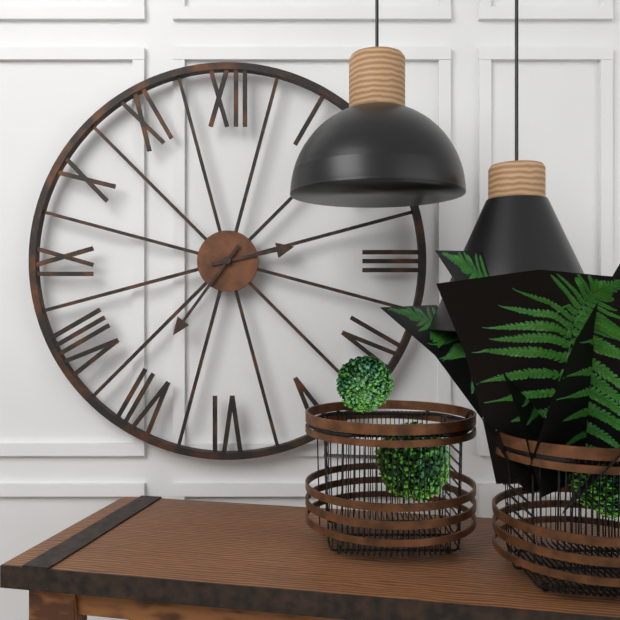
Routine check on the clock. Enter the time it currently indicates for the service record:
2:36
